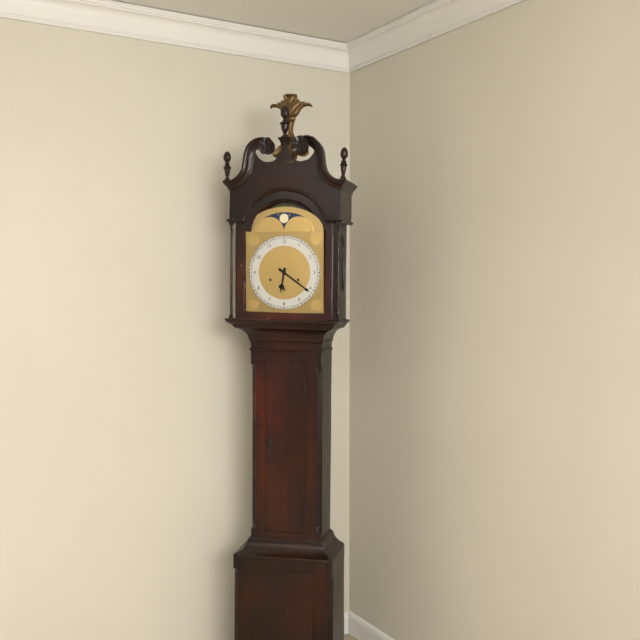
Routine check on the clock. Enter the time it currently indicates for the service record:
6:21
